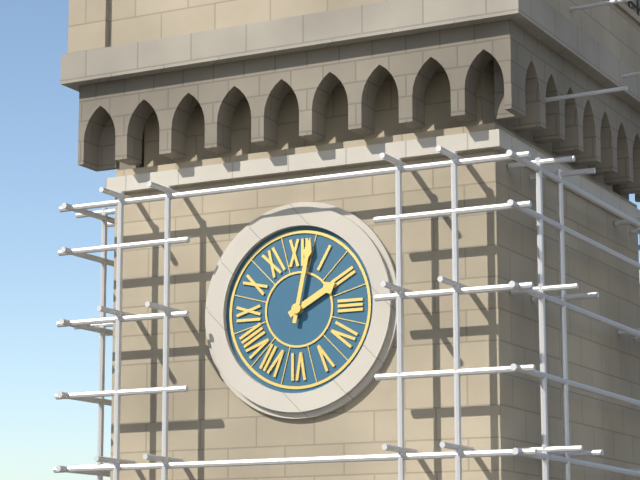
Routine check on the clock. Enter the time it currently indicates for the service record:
2:02
